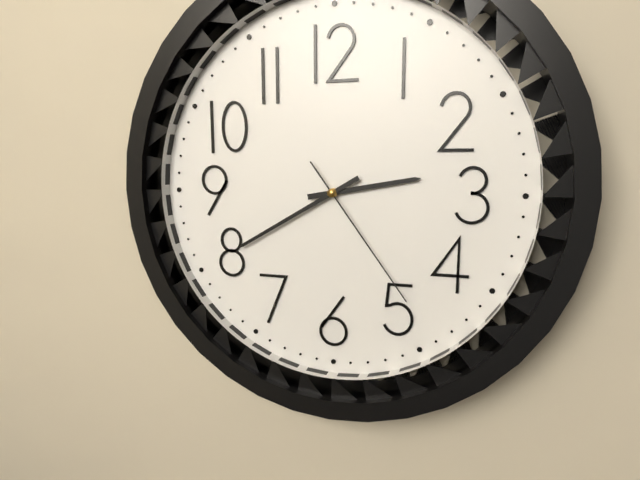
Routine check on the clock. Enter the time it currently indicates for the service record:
2:40:24
